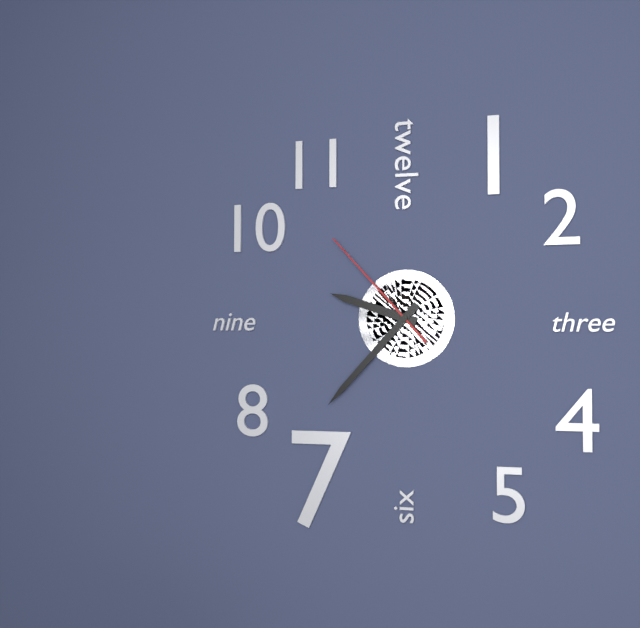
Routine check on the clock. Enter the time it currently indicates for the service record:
9:37:53
